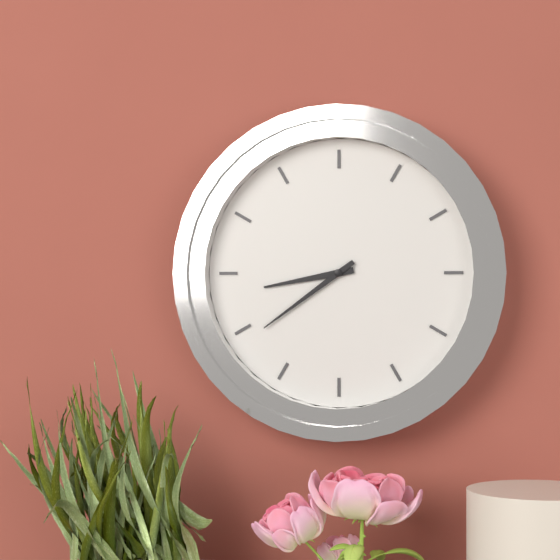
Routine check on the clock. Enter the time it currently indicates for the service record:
8:39
